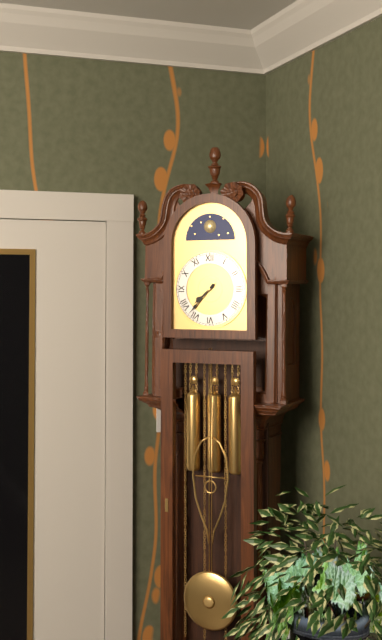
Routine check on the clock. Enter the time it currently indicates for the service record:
7:37
